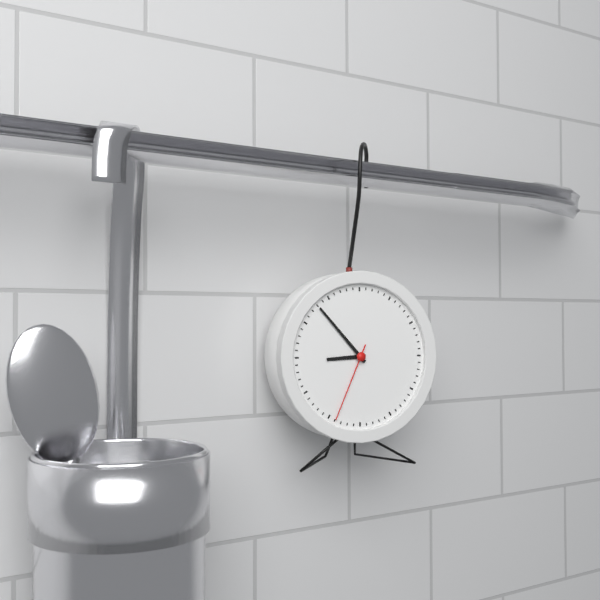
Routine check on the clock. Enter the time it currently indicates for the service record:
8:53:34
